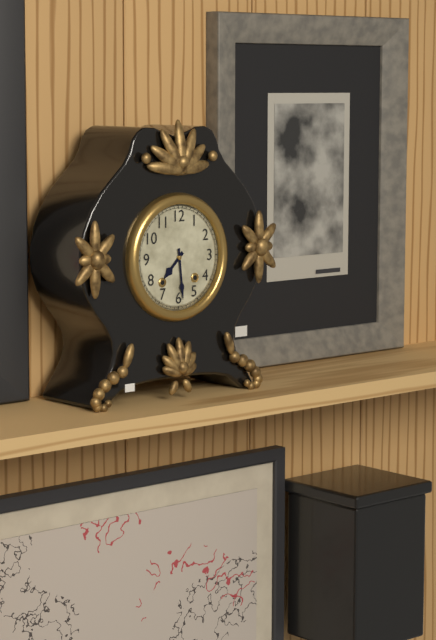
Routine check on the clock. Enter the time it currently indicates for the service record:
7:29
